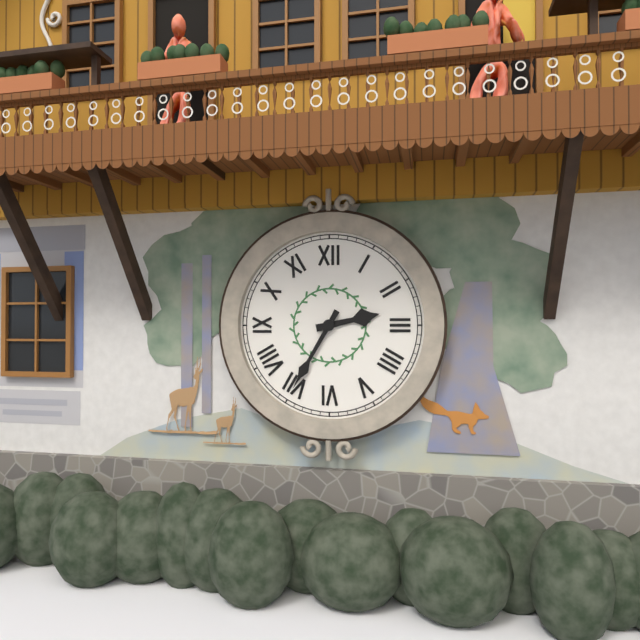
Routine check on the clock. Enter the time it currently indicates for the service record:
2:35
